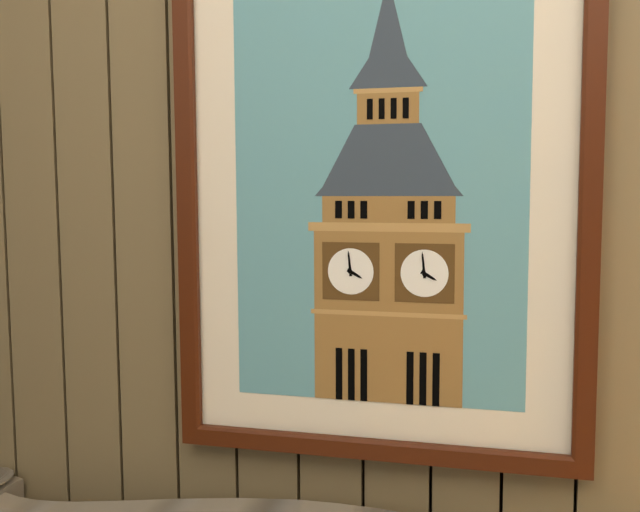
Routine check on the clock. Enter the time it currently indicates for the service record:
3:59
